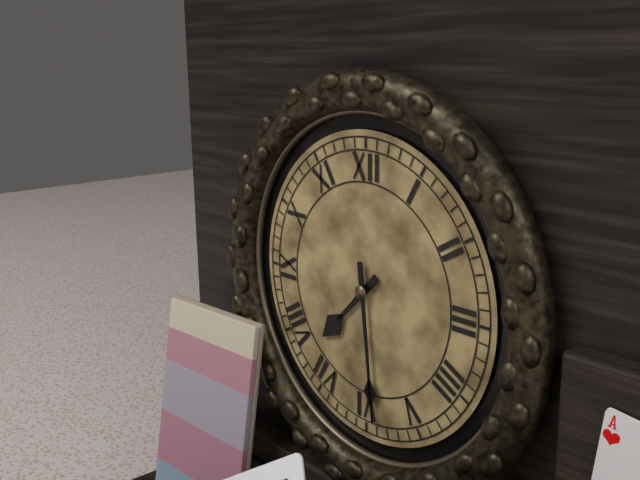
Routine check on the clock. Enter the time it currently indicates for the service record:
7:29
